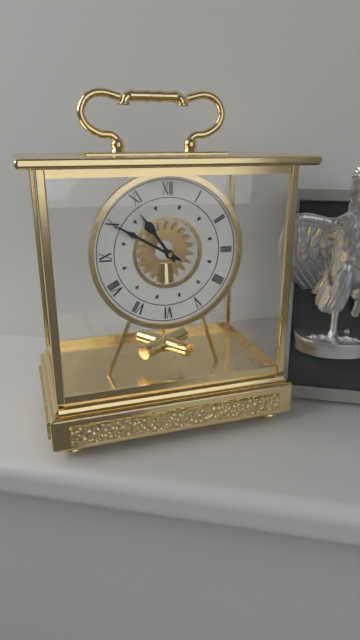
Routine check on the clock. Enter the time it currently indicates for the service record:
10:50
